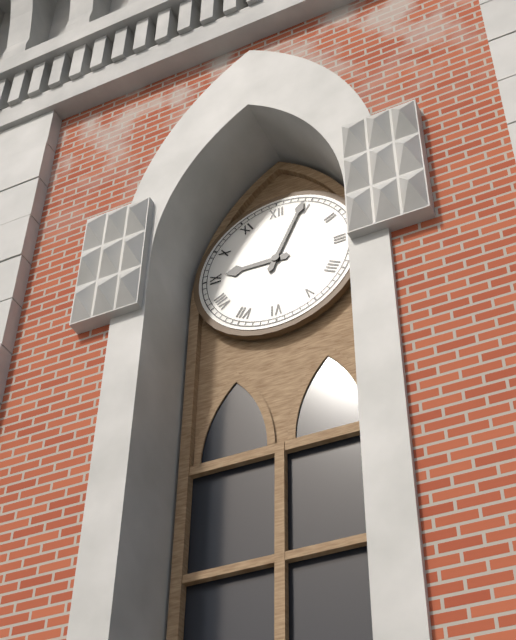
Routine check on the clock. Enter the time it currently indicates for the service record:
9:04
